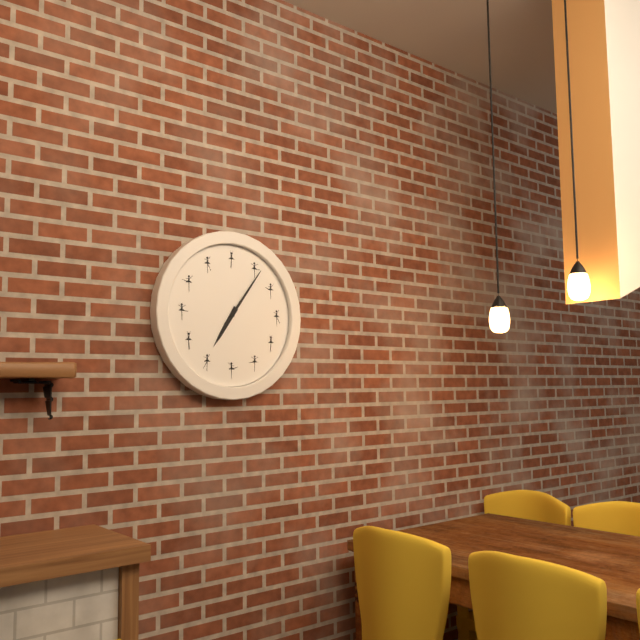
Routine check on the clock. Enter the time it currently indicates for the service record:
7:06
